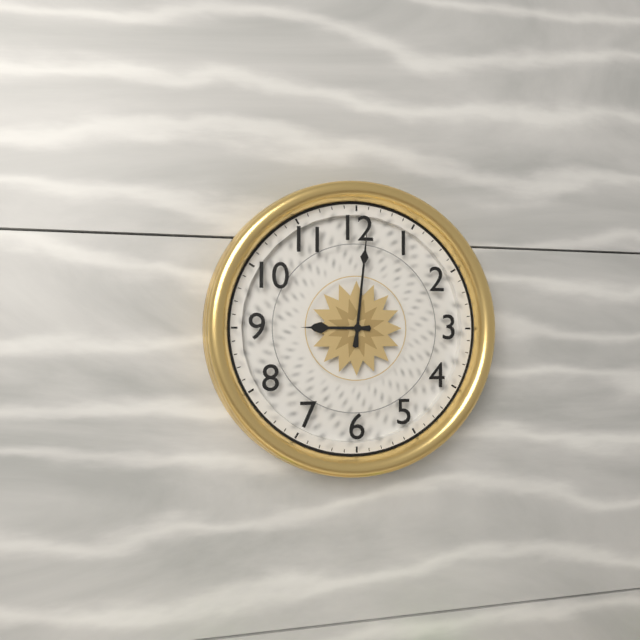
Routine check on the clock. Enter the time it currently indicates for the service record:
9:01
